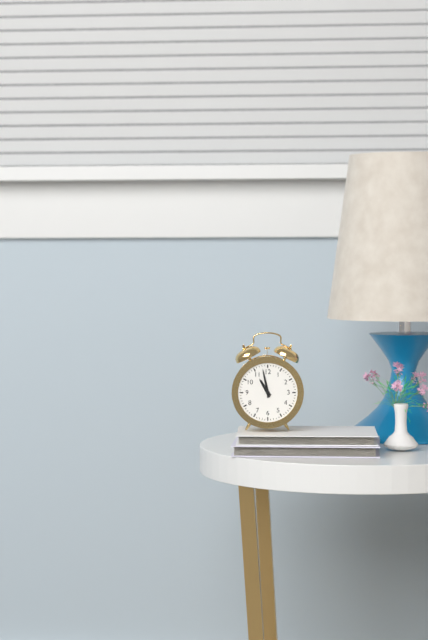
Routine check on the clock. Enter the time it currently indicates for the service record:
10:58
